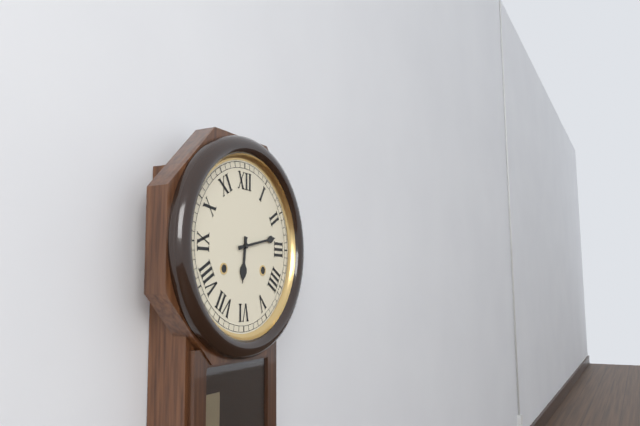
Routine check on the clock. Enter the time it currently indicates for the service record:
6:13
